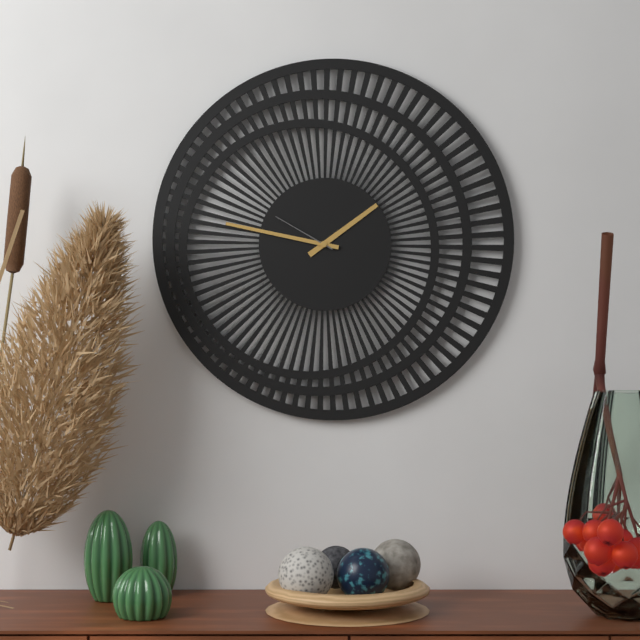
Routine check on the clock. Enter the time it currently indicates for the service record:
1:47:50
